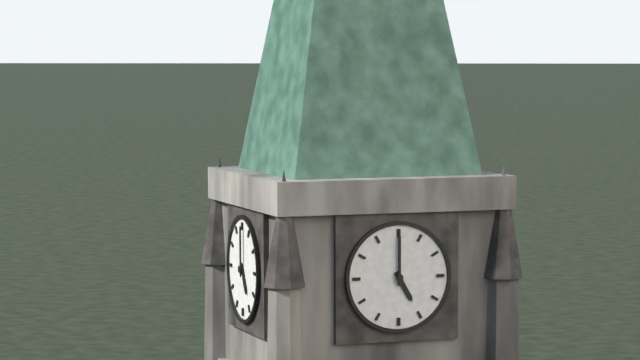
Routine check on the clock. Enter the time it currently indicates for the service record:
5:00
